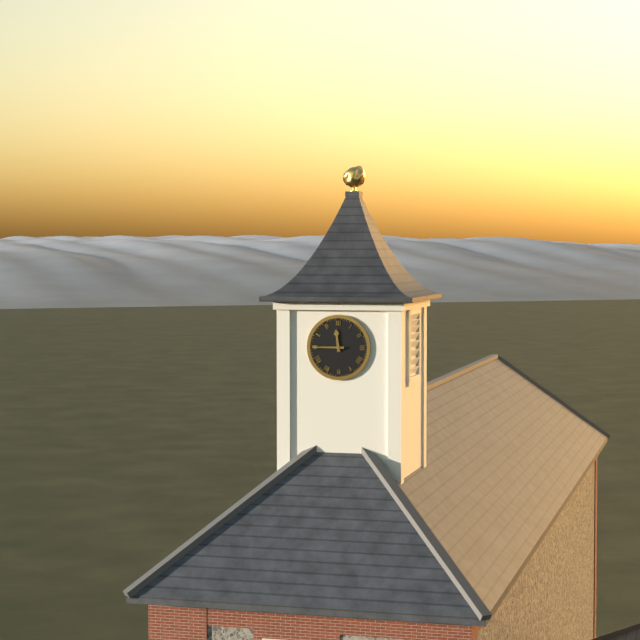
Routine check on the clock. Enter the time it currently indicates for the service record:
11:45
